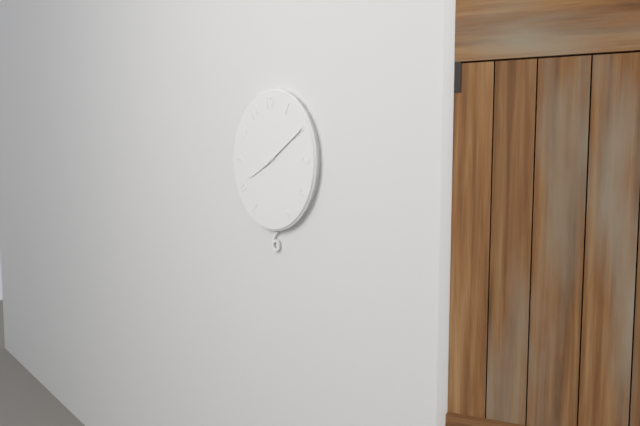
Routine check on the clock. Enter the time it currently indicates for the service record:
8:10
